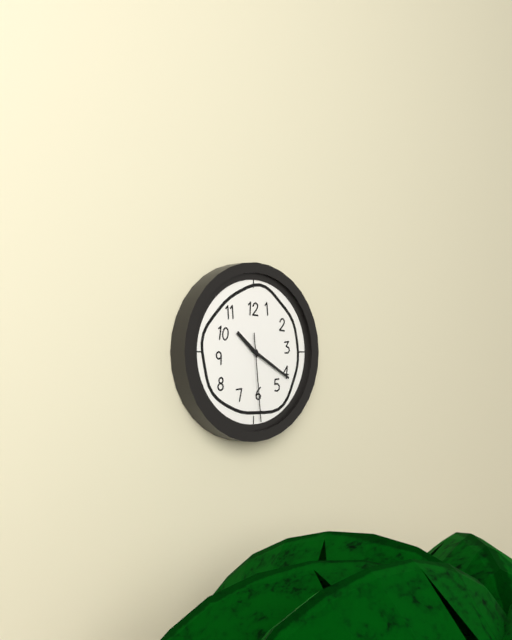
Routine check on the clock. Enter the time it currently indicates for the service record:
10:20:29
